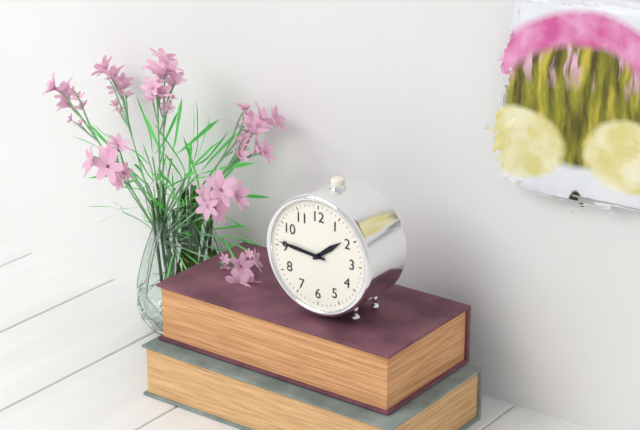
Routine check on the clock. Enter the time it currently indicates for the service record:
1:46
